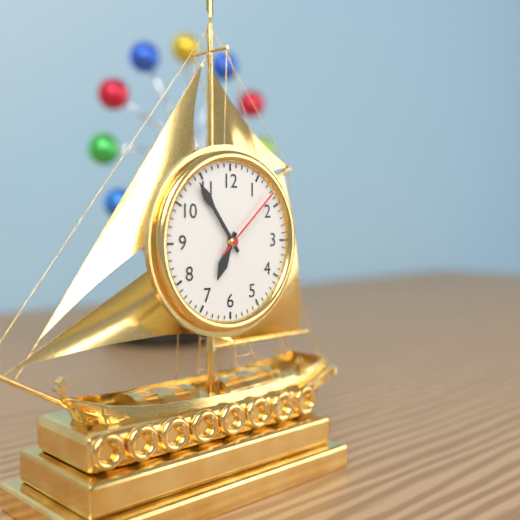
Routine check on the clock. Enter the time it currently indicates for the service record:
6:54:08
